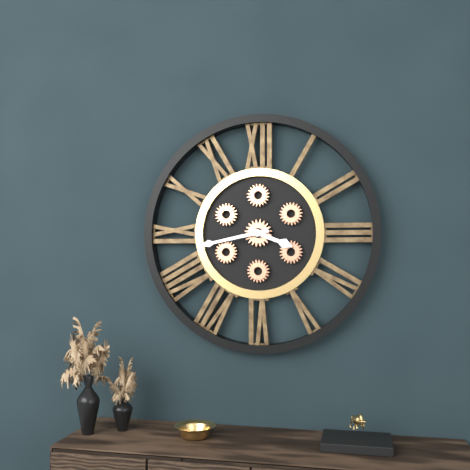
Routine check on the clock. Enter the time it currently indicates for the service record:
3:43
